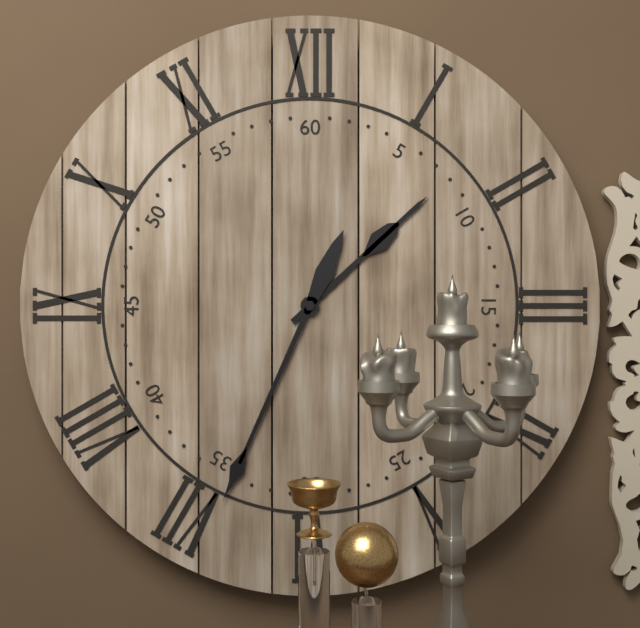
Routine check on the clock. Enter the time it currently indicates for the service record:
1:34
